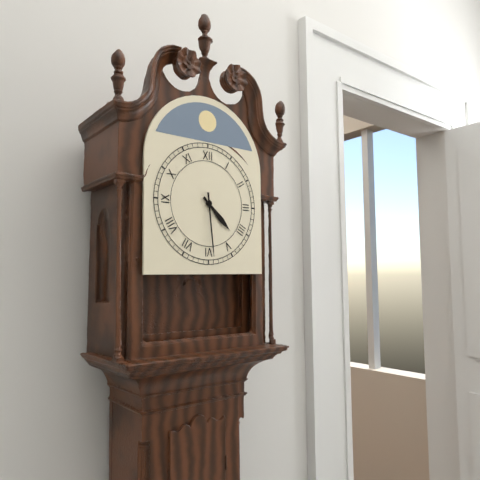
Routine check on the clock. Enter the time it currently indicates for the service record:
4:29
